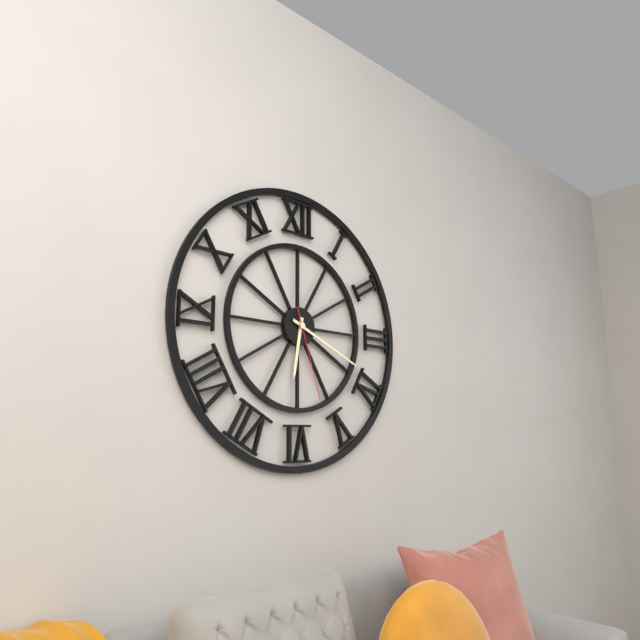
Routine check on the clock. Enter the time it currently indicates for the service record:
6:19:27
